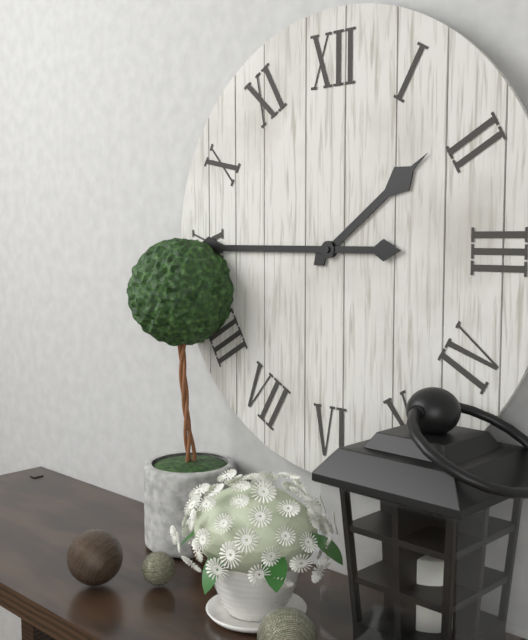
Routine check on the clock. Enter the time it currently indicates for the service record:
1:45
